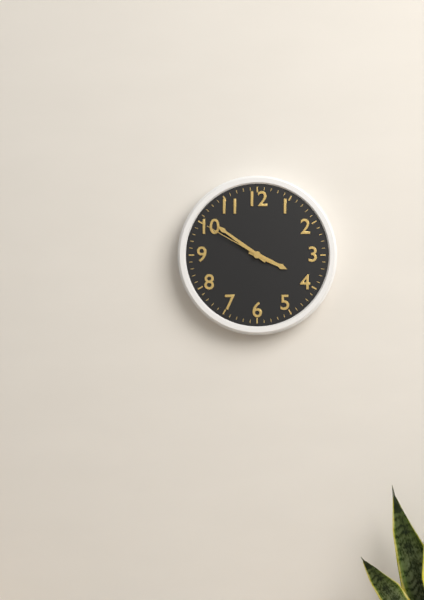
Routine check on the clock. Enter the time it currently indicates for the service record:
3:51:50
